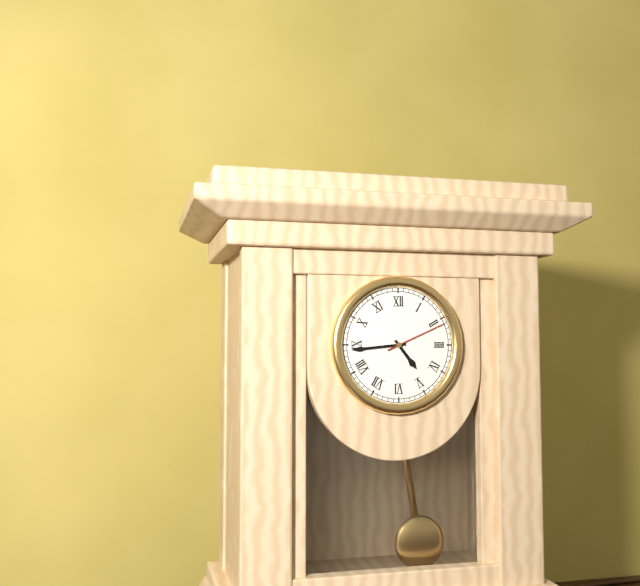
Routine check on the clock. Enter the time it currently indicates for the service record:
4:44:11
